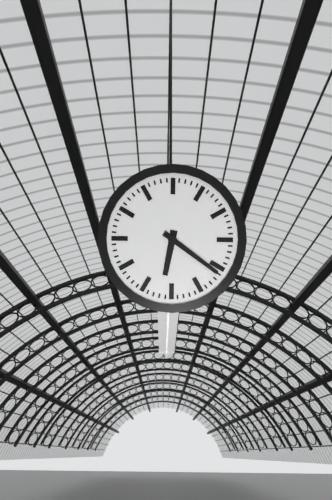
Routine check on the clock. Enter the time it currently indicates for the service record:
6:21
